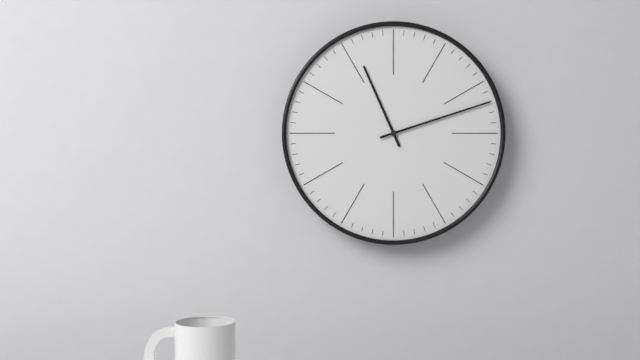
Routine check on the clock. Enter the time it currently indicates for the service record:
11:12
